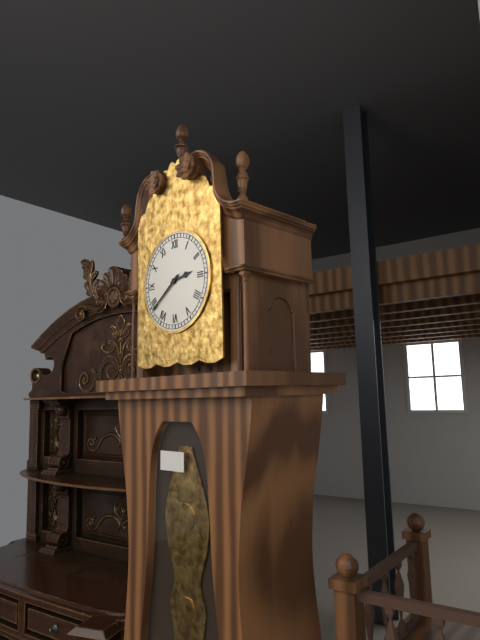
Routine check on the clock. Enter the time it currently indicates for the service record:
2:39
